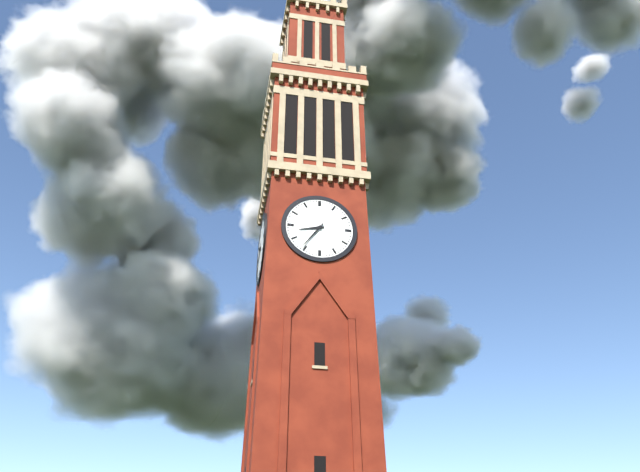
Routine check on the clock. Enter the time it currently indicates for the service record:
8:36
